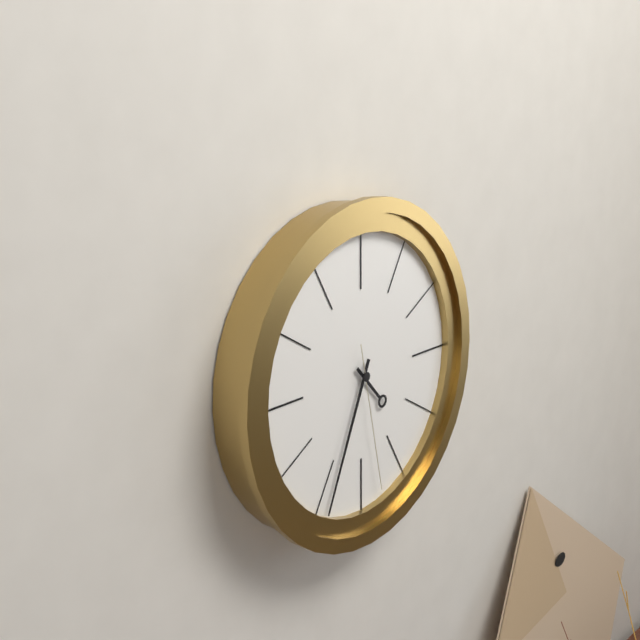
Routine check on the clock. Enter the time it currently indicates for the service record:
4:34:28
